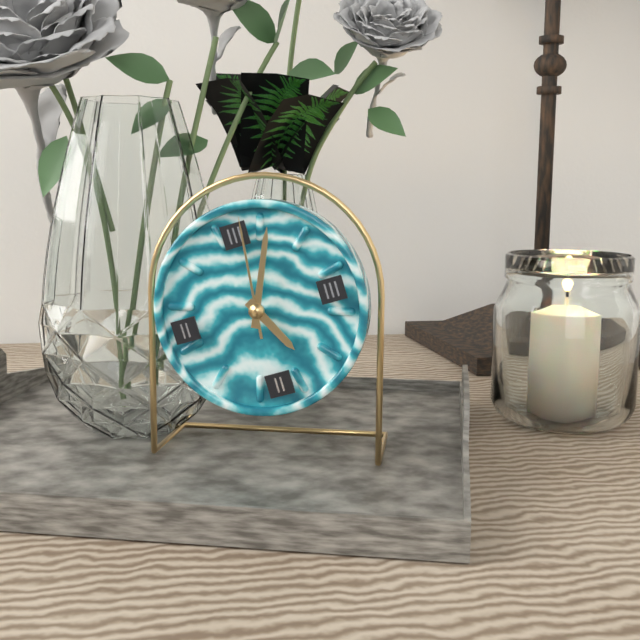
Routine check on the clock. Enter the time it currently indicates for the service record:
5:04:01
